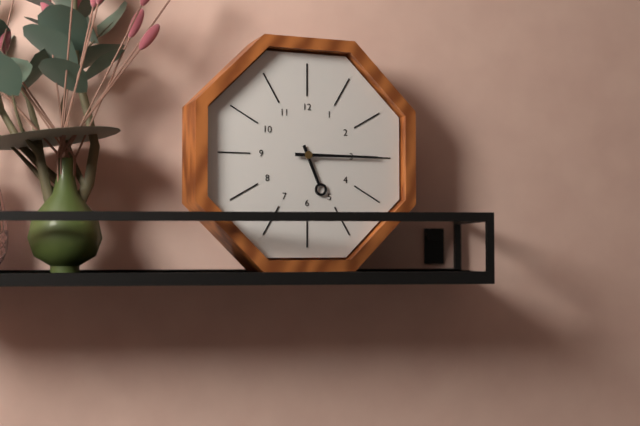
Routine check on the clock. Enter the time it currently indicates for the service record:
5:15
